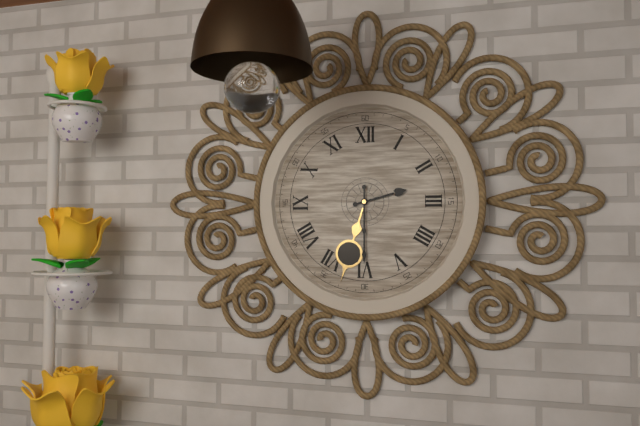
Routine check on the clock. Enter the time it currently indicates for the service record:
2:30
